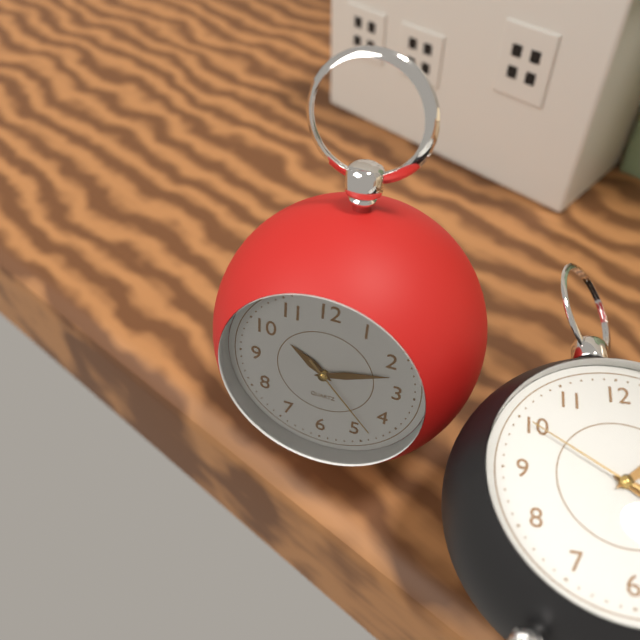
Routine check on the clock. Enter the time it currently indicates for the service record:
10:12:23
